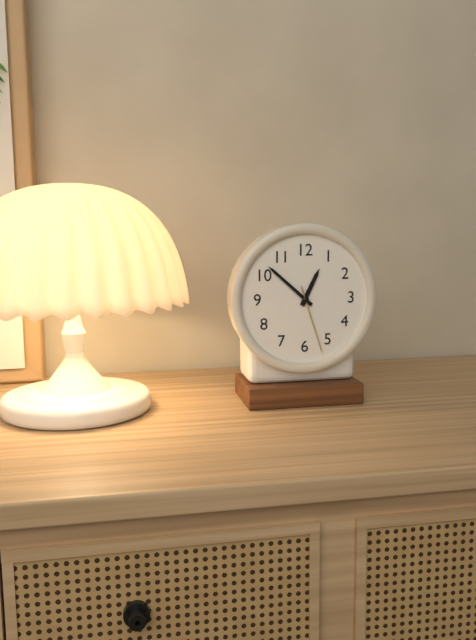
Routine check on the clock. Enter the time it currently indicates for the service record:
12:52:27
